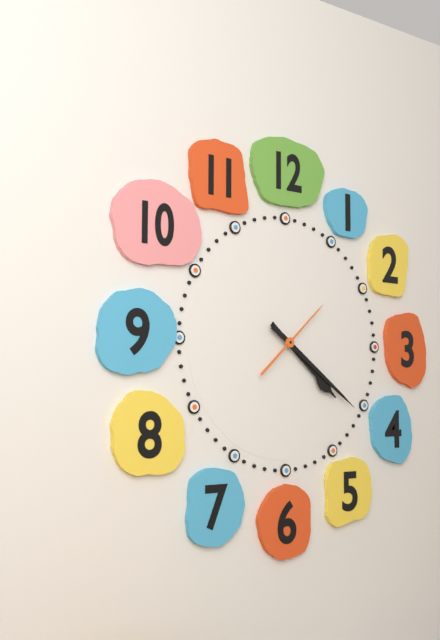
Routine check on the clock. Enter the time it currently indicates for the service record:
4:21:08
